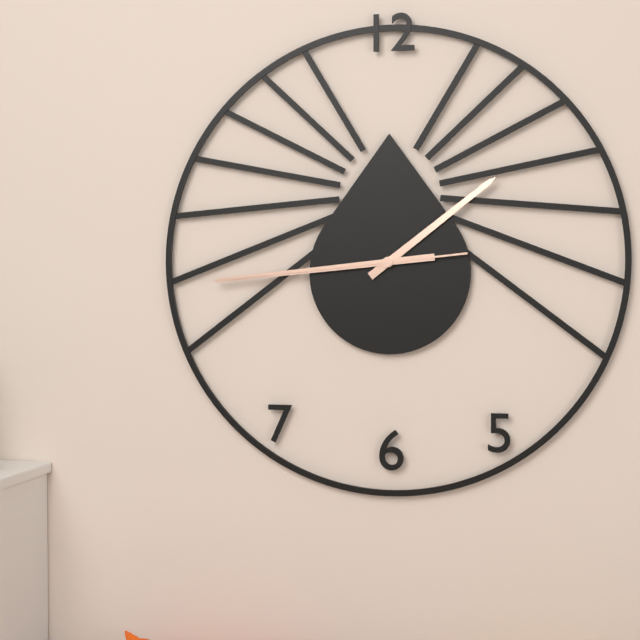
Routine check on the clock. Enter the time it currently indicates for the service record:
1:44:44
